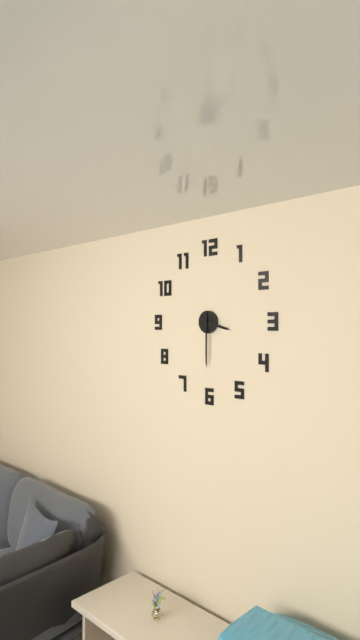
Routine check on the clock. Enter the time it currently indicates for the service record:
3:30
